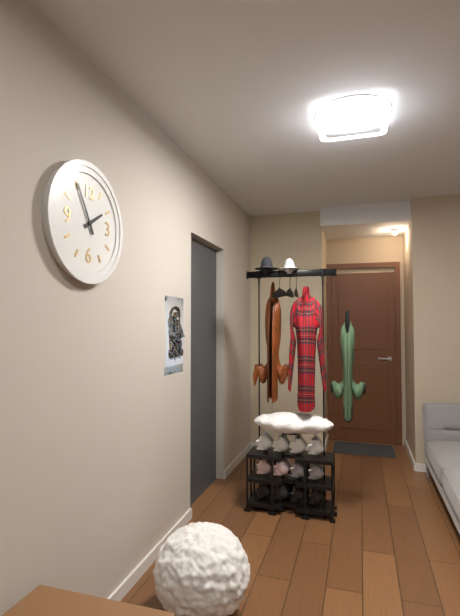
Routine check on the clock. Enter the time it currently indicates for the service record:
1:55
